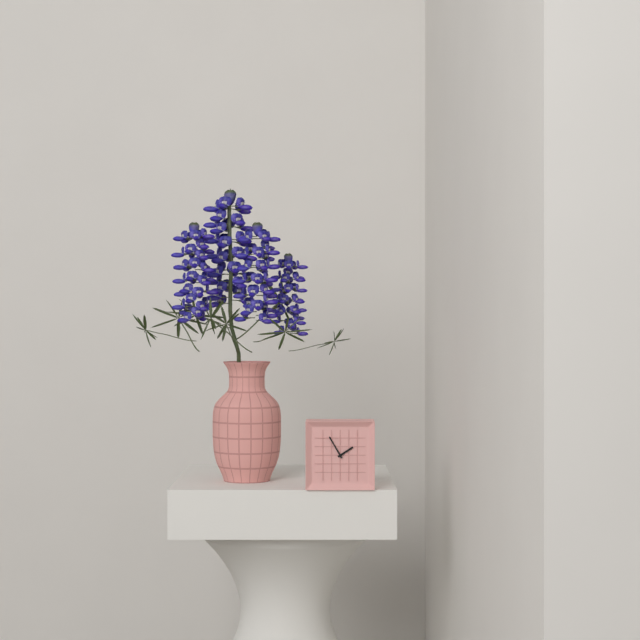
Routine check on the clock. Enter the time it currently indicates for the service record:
1:55
